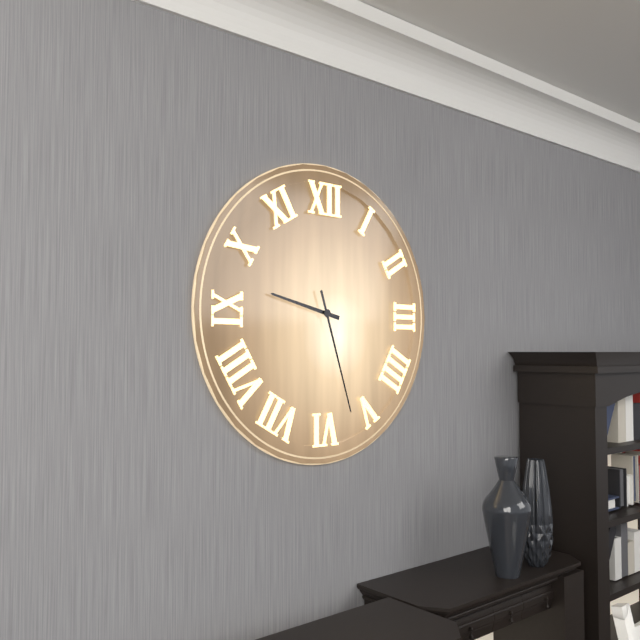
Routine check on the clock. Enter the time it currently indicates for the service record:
9:27
